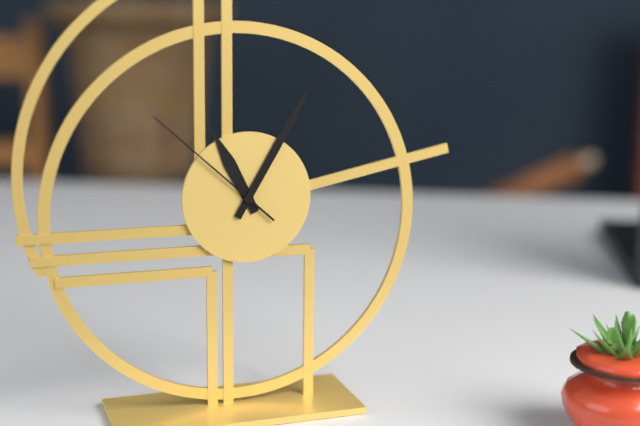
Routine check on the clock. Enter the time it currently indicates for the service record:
11:05:52
